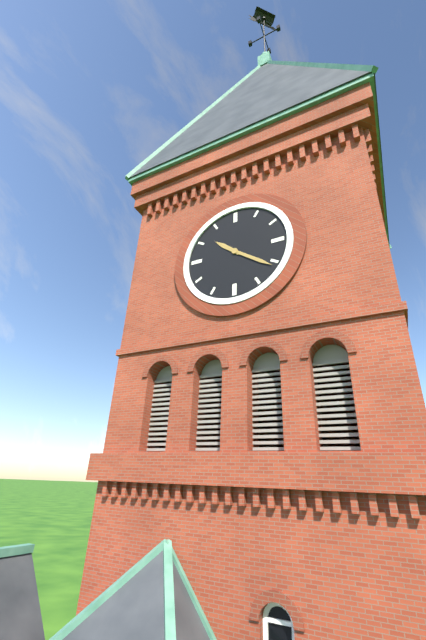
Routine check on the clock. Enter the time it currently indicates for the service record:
10:21
